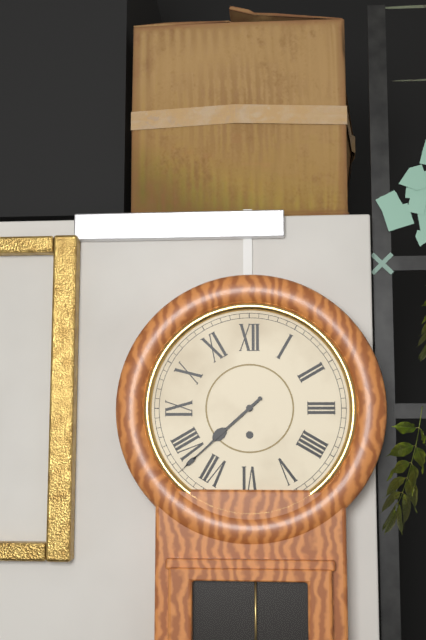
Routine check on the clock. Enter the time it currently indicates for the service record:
7:38
